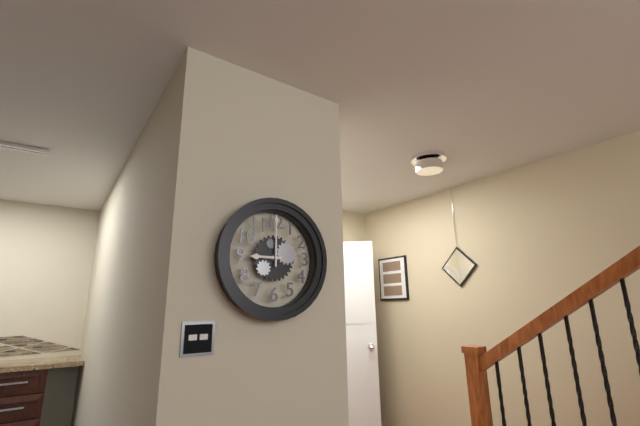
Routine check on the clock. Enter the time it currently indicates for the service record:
9:00
